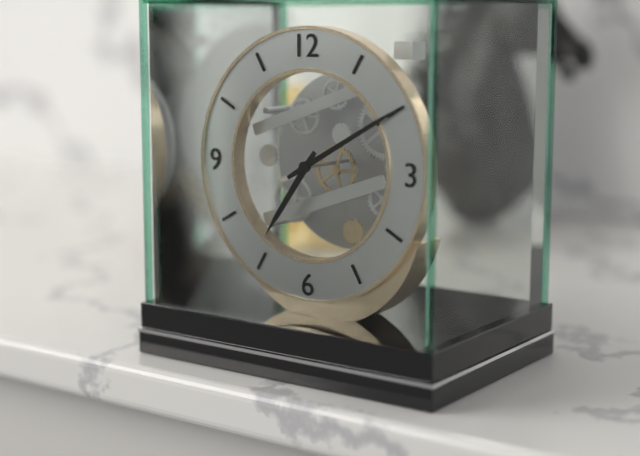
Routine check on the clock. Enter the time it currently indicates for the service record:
7:10
